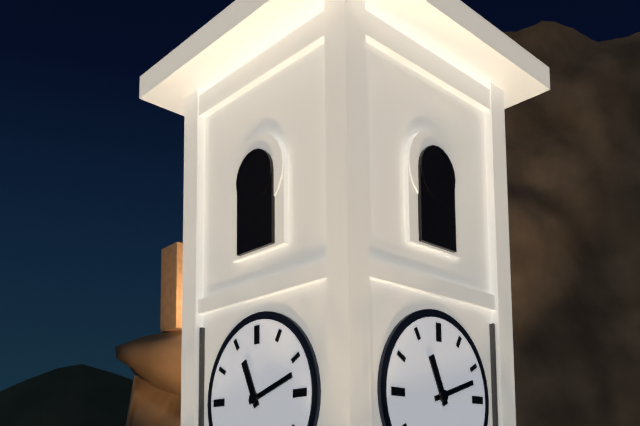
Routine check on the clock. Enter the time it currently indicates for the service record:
11:12
